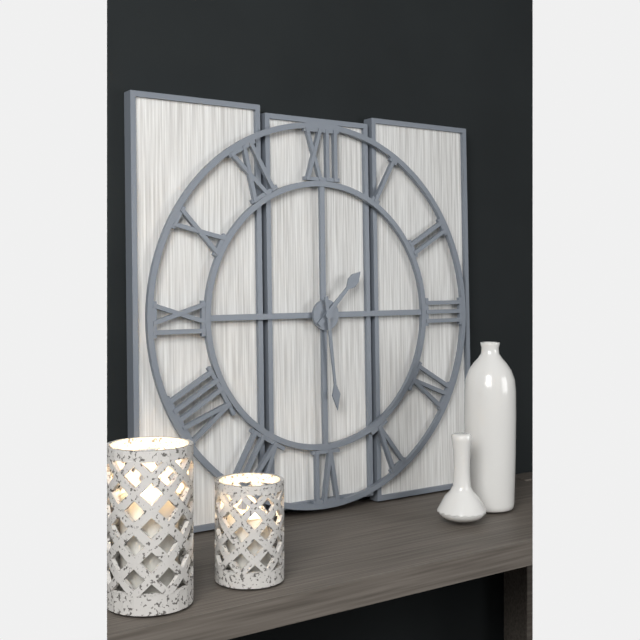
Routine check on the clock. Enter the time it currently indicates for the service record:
1:29
